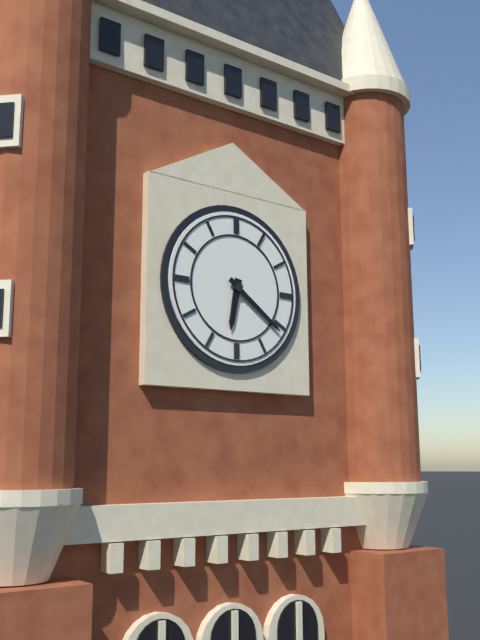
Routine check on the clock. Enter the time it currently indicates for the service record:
6:21
